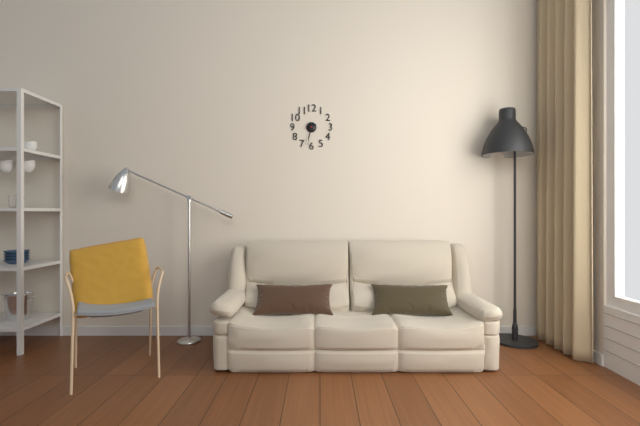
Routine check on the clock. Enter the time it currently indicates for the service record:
6:32
